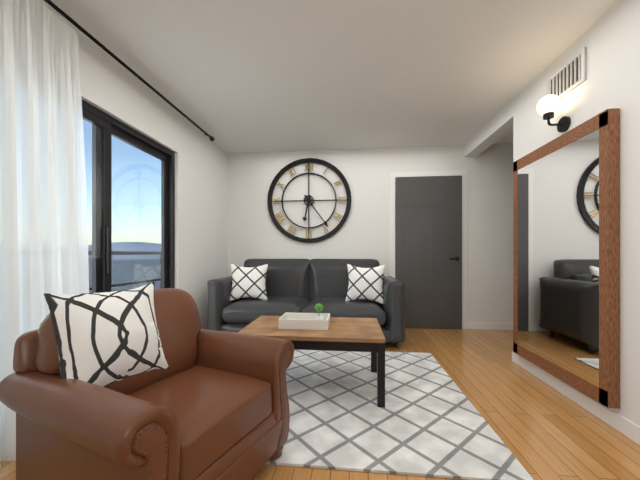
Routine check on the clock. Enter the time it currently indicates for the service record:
6:24
